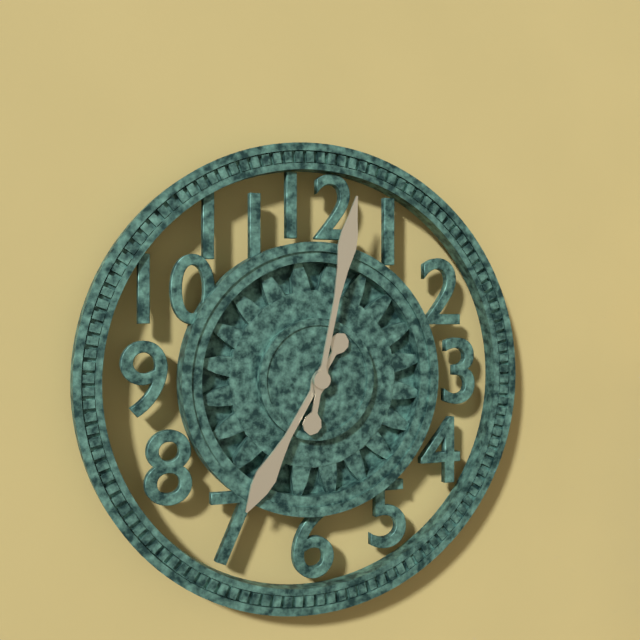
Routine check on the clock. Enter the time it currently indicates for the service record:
7:02
